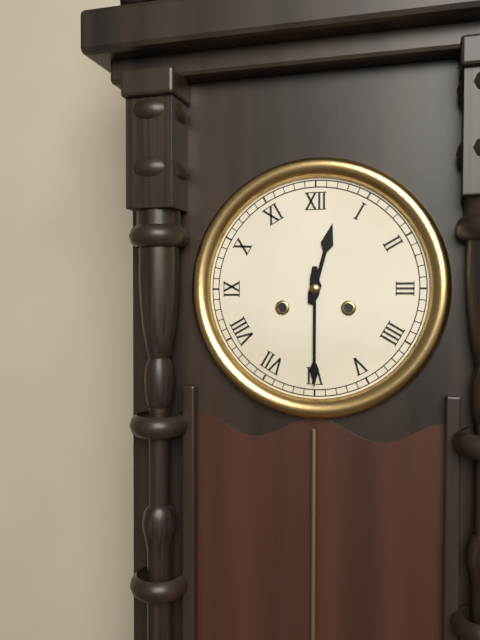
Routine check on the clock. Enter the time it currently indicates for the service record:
12:30
